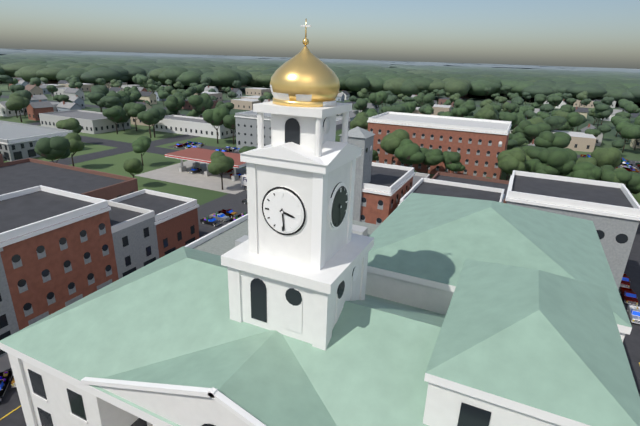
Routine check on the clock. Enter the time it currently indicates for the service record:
3:29
